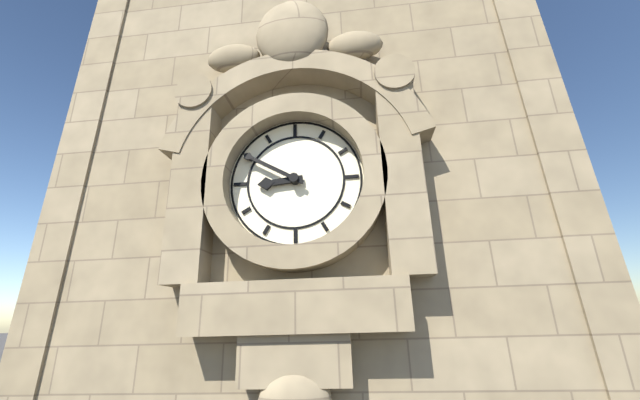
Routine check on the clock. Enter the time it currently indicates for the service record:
8:50
